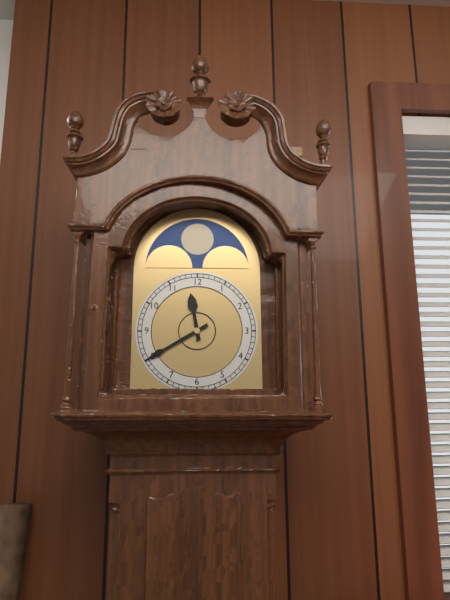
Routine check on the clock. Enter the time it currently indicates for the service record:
11:40
